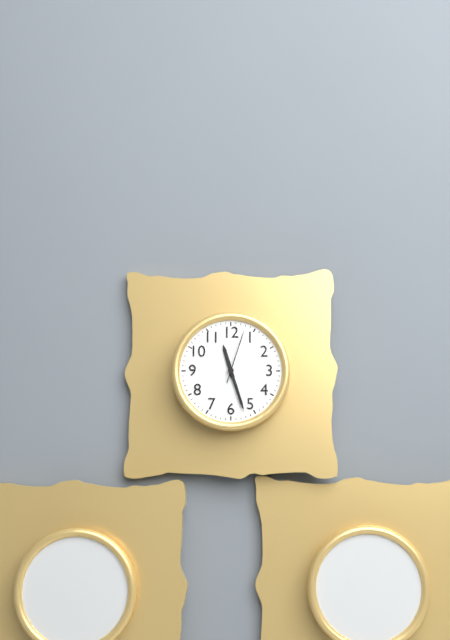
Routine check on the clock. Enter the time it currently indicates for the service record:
11:27:03
